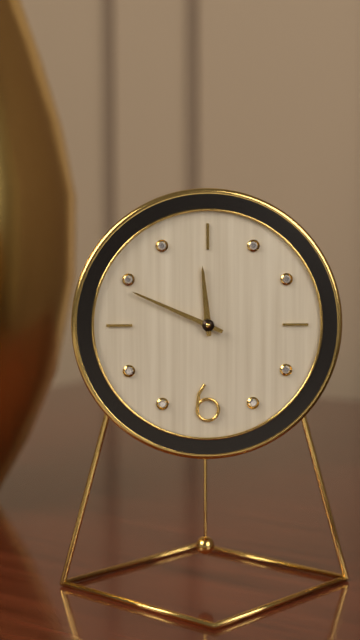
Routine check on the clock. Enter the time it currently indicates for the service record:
11:49
